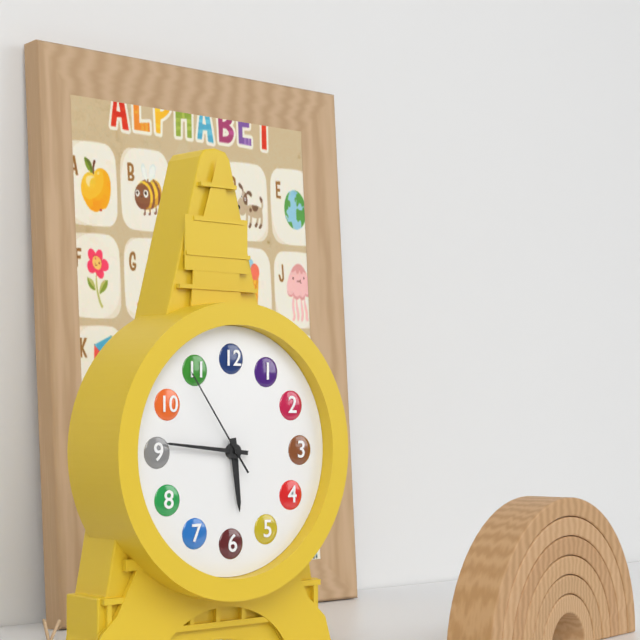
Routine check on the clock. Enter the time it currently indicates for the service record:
5:46:54
